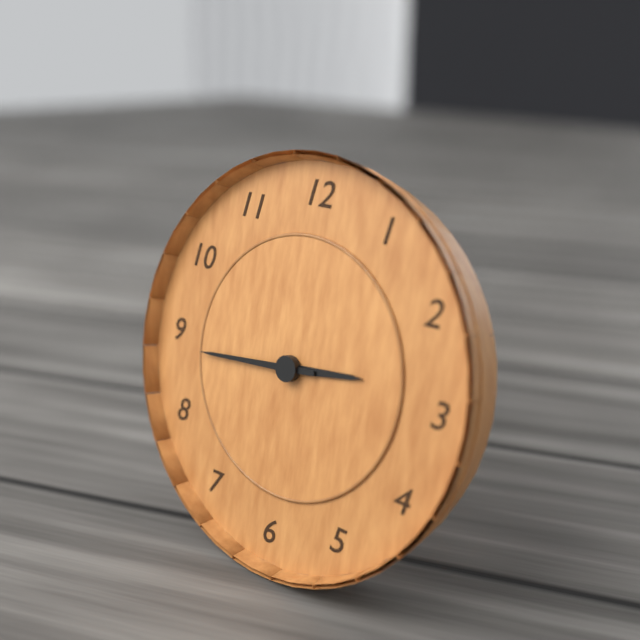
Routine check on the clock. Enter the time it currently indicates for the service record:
2:44
